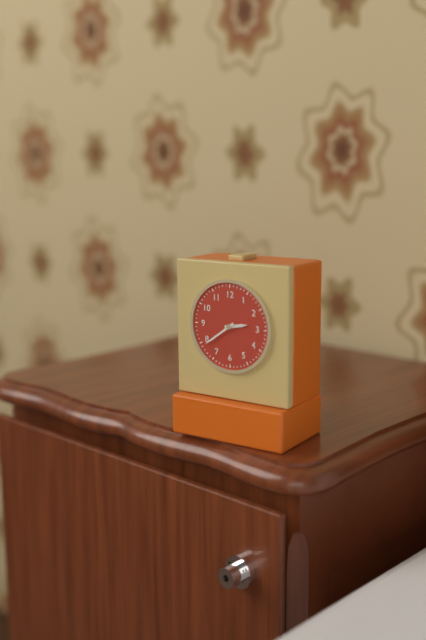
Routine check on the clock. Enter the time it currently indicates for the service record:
2:39
